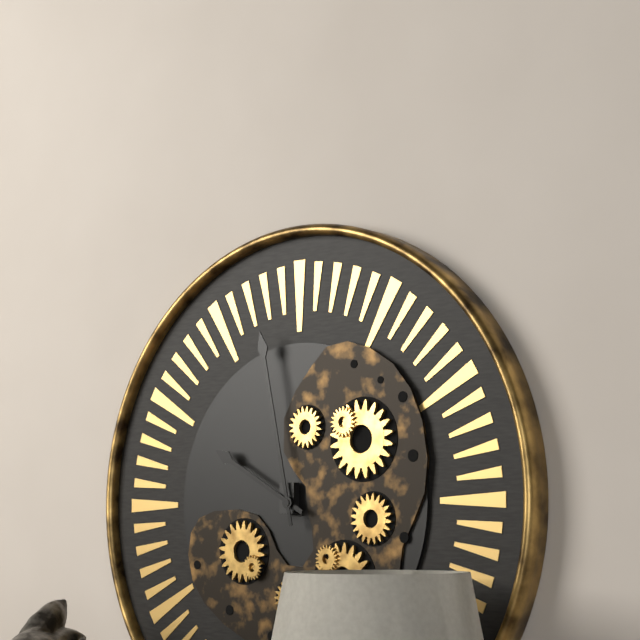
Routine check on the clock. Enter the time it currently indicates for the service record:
9:58
